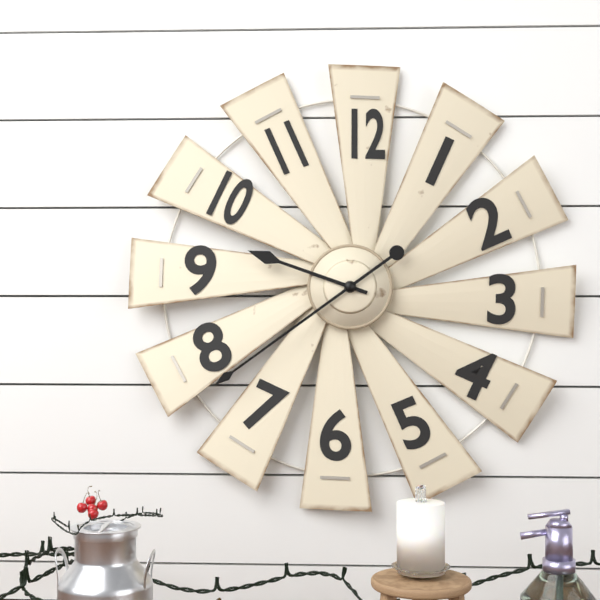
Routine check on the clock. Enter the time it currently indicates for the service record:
9:39
